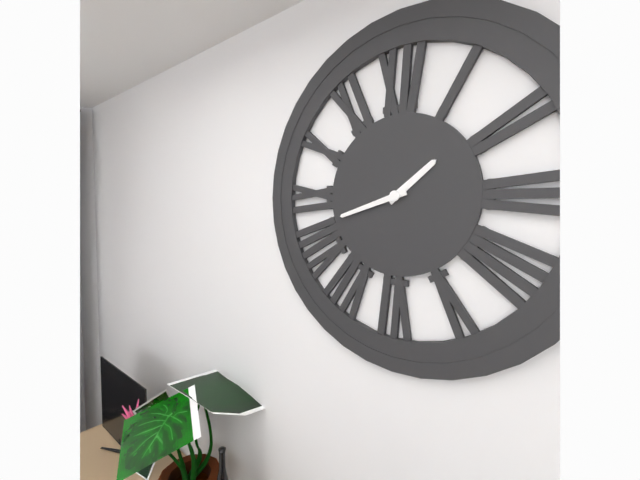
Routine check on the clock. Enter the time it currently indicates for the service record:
1:42
